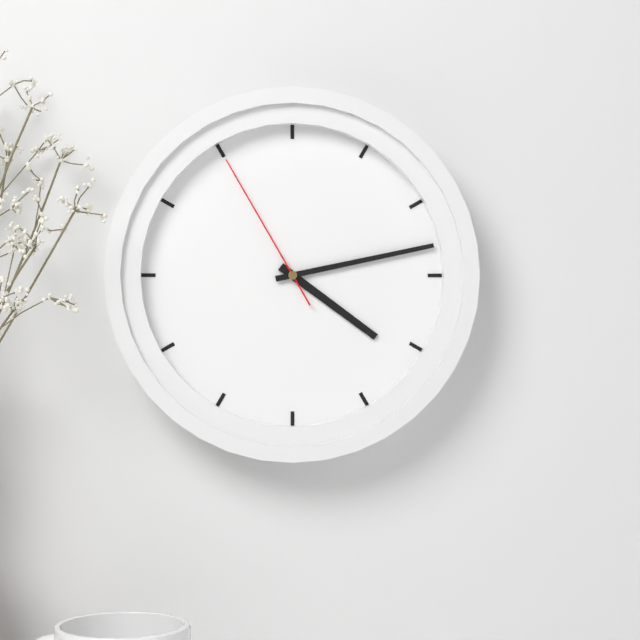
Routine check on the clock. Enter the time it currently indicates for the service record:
4:13:55
